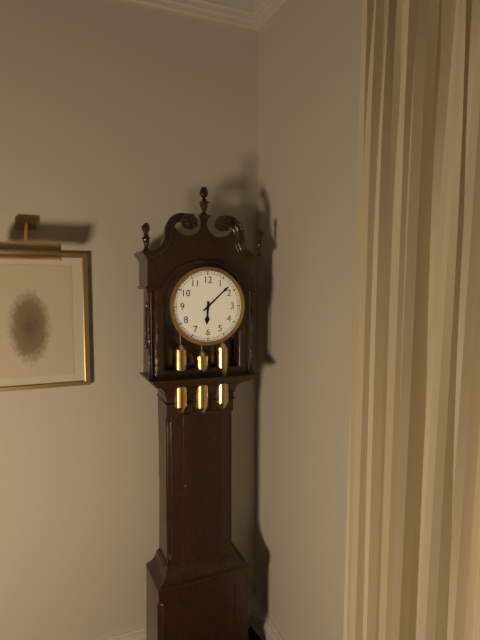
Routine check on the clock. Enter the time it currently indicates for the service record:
6:08
